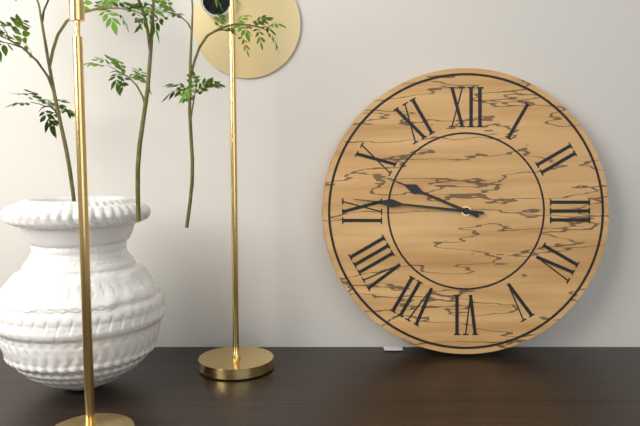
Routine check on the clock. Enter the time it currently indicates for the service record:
9:46
